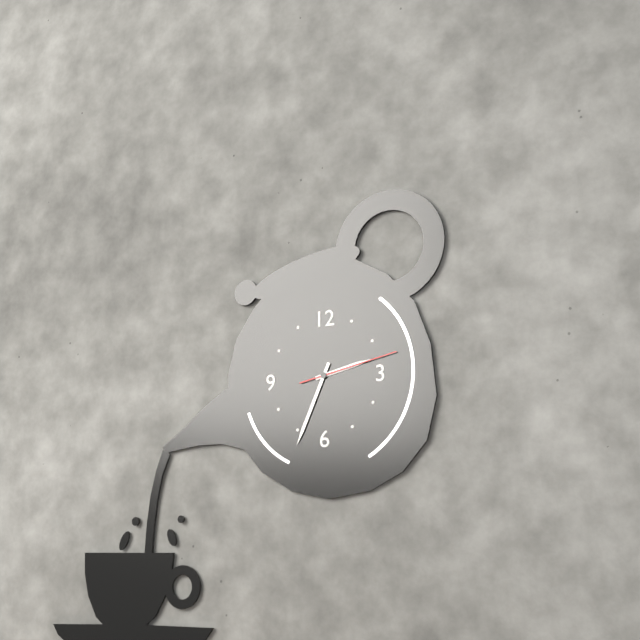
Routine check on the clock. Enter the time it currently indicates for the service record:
2:34:13
